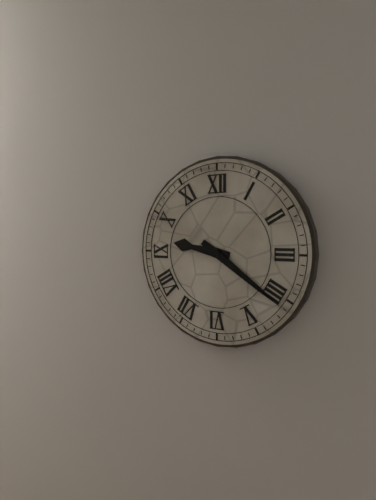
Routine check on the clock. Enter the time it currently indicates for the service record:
9:21
